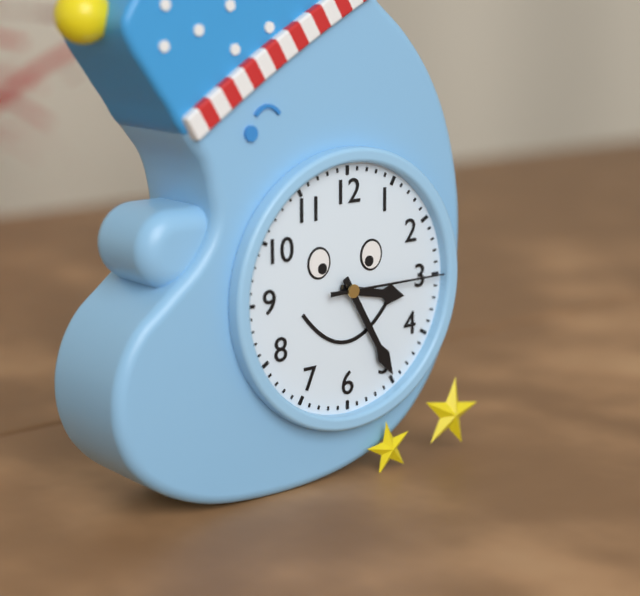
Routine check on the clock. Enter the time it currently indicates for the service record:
3:25:15
